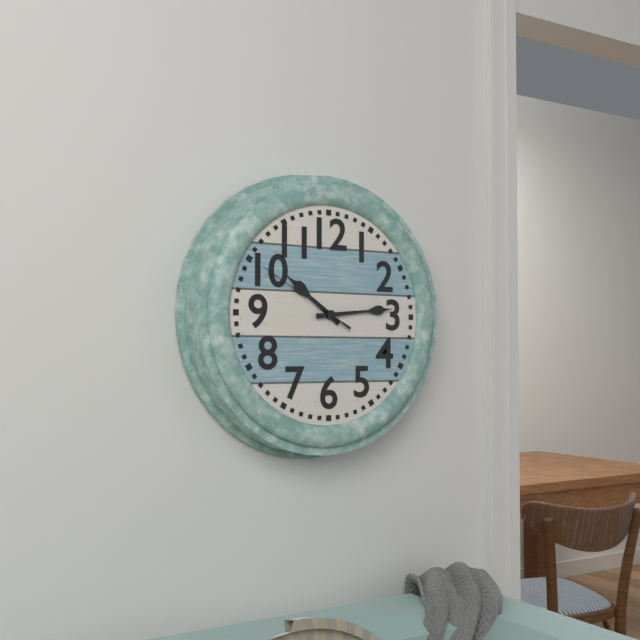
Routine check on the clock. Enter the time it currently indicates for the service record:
10:14:50
